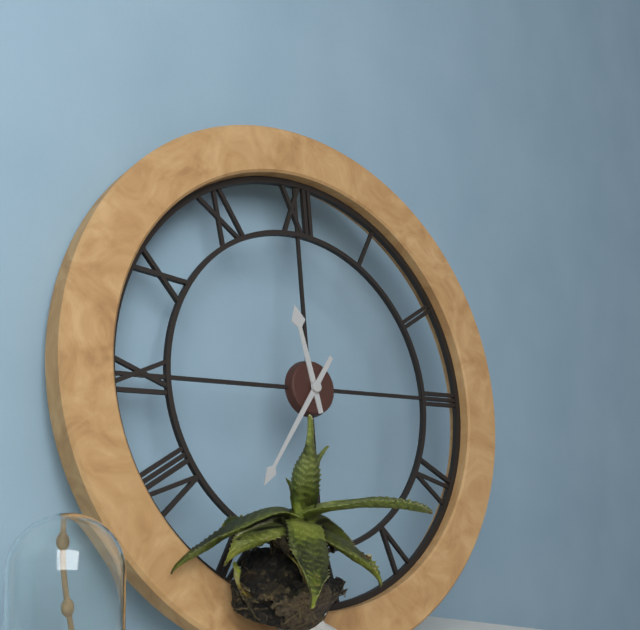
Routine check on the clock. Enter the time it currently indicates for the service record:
11:36
